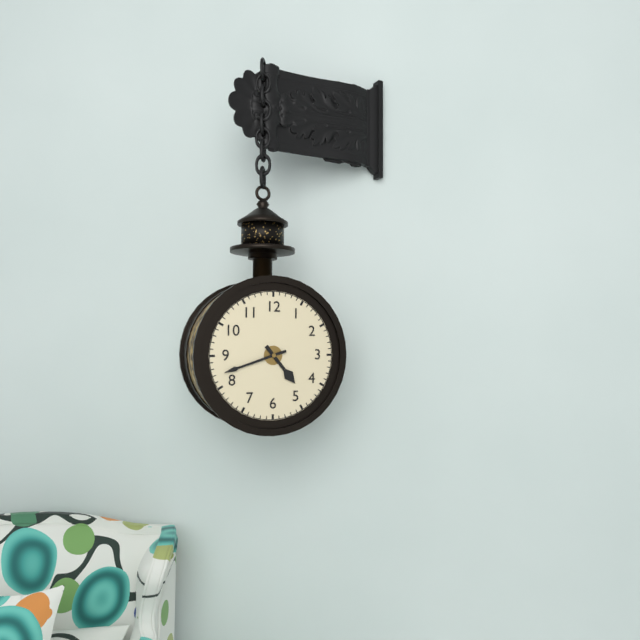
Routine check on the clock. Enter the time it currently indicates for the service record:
4:42
